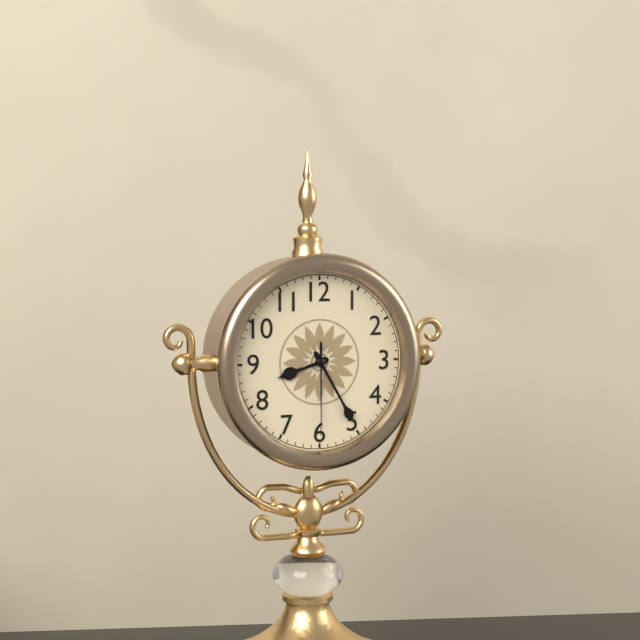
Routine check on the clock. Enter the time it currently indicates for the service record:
8:25:30
